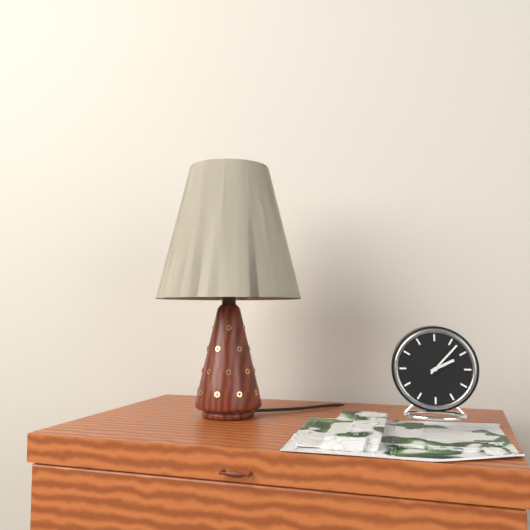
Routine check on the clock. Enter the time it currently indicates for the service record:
2:07
